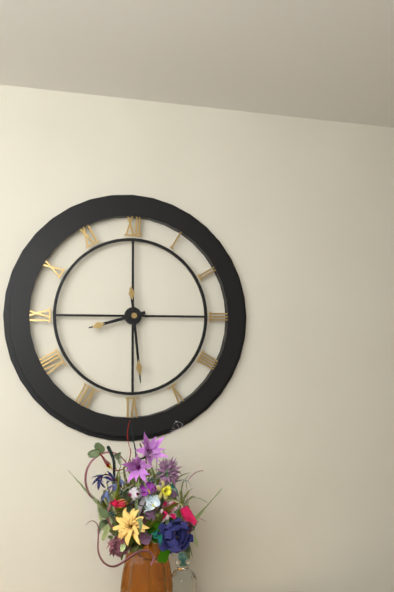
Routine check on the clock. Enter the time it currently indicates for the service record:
8:29
